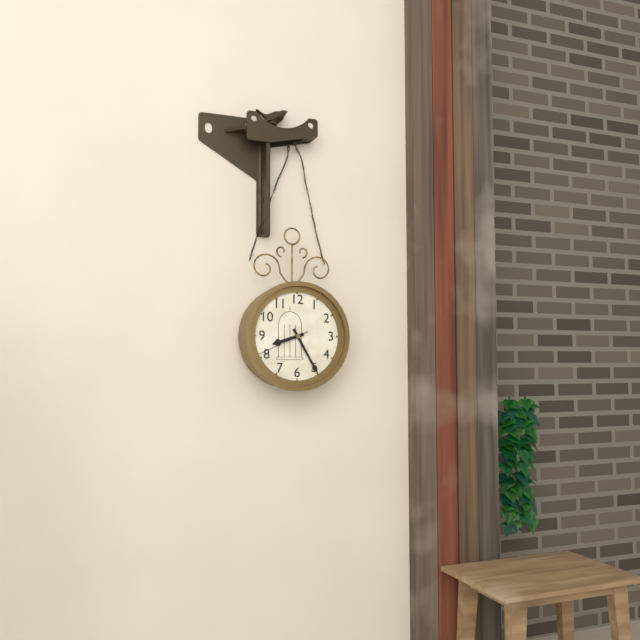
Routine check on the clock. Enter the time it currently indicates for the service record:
8:25
